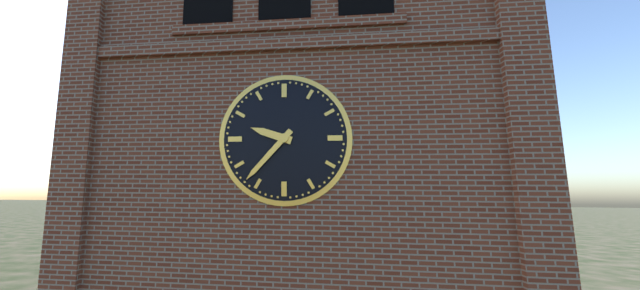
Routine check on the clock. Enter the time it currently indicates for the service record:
9:37
